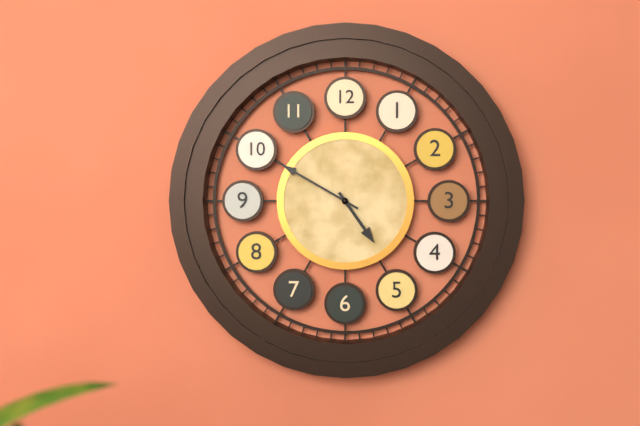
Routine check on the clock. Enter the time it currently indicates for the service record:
4:50
